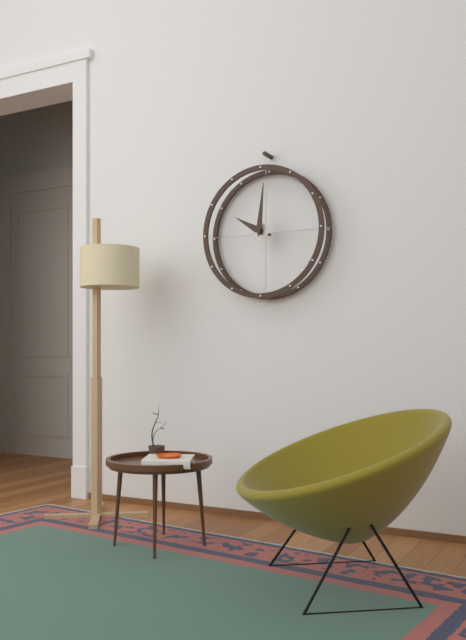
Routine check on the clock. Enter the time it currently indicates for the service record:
10:01
